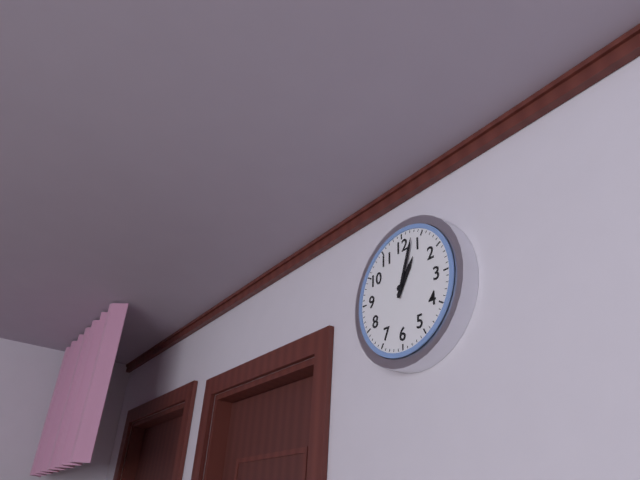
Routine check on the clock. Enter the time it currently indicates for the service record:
1:03
